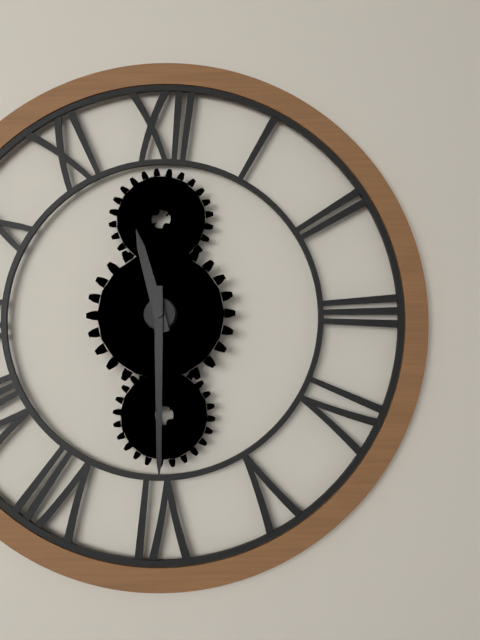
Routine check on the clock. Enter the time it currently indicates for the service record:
11:30
